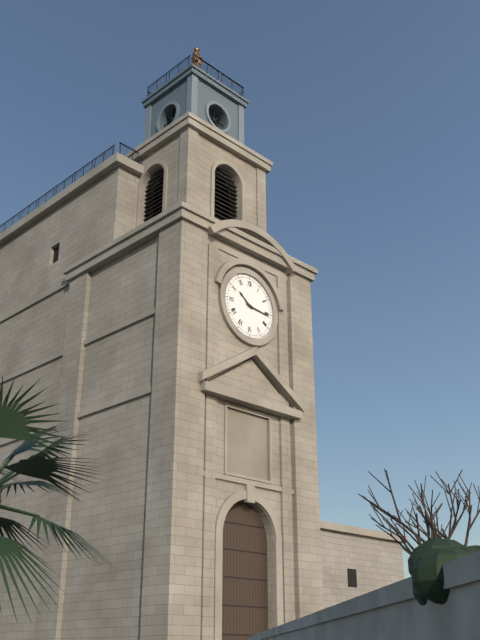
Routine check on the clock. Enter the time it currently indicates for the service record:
10:16
